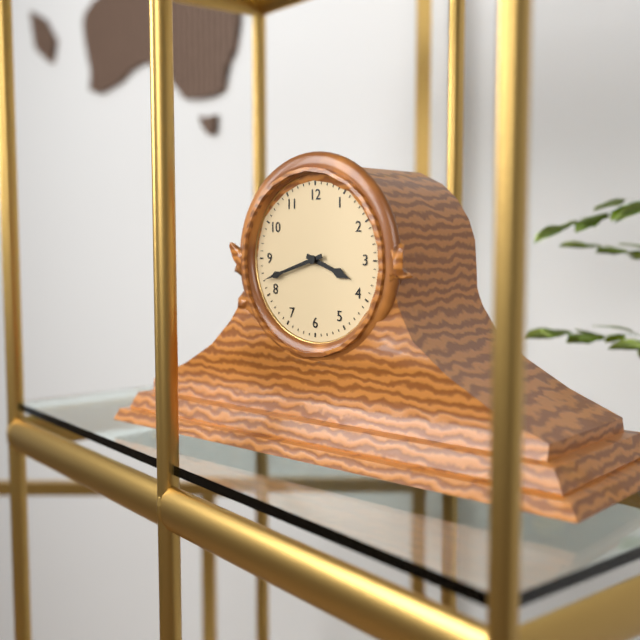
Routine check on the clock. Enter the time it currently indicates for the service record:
3:42
